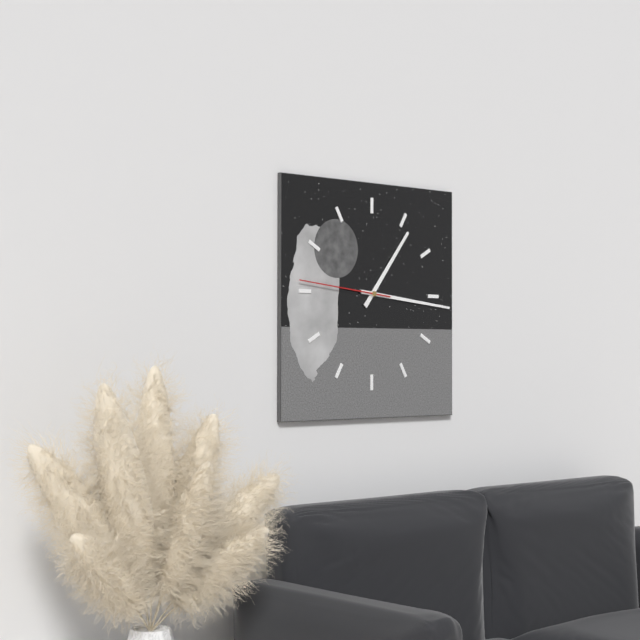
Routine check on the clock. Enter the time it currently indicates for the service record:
1:16:46
